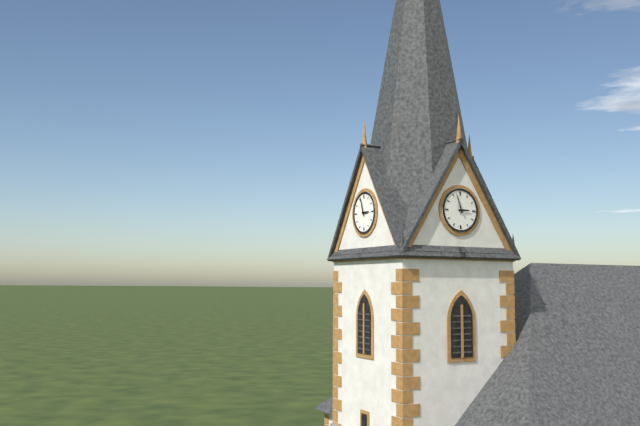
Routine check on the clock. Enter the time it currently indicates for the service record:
2:57
